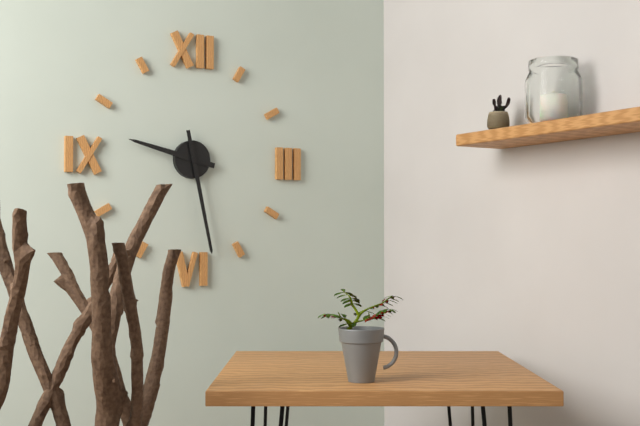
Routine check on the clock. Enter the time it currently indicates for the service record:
9:28
